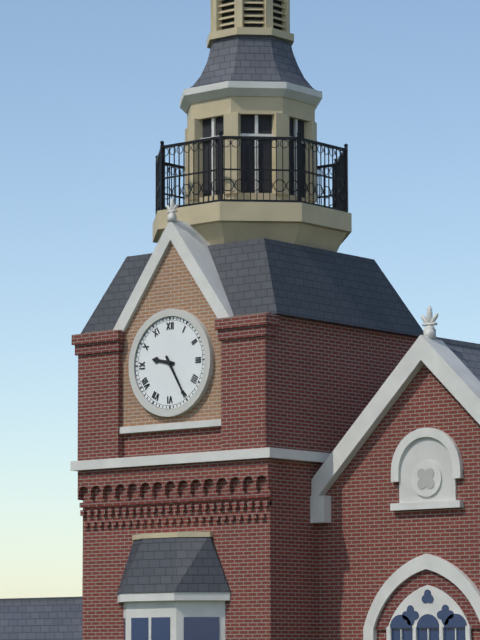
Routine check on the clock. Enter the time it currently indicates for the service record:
9:25
